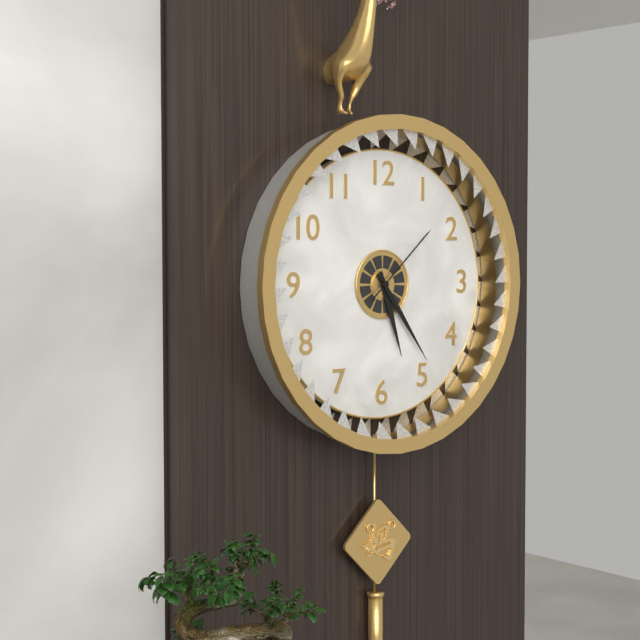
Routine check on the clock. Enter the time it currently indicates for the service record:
5:24:08
